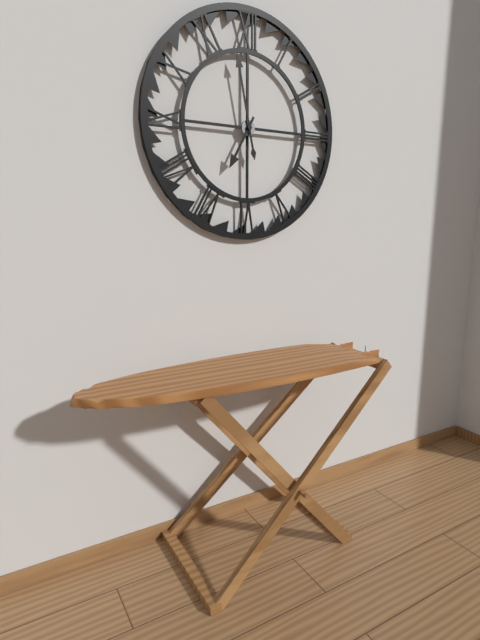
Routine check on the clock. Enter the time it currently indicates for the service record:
6:58
